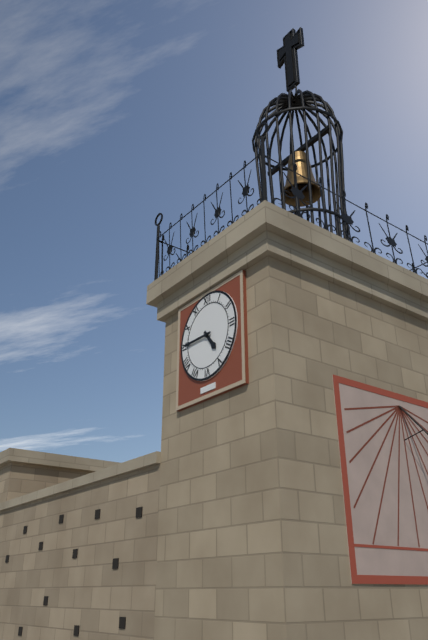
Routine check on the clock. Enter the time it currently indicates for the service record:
4:45
